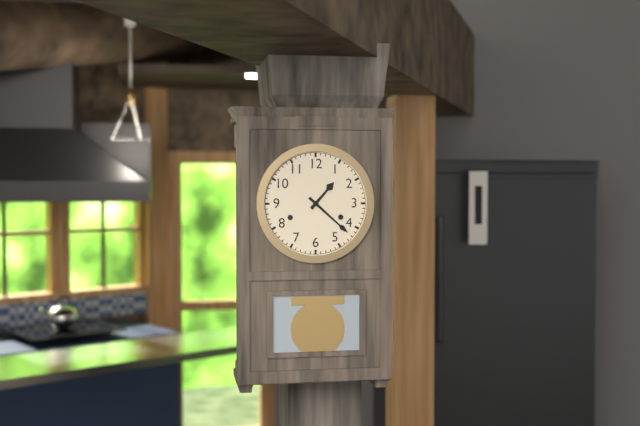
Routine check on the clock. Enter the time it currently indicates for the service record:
1:22
